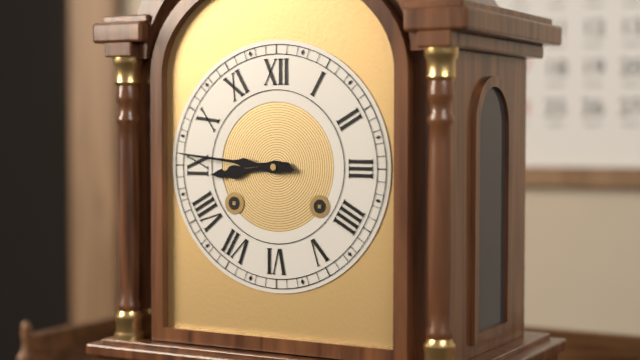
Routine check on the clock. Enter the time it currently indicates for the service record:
8:46
